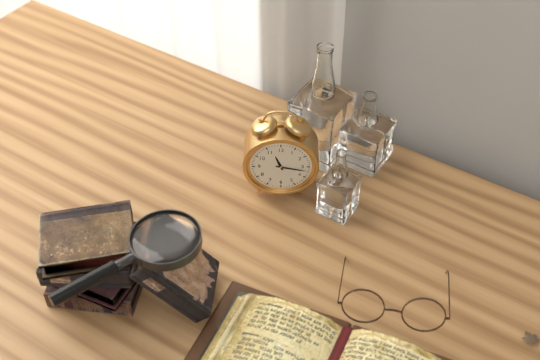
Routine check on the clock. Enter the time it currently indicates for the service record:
11:17
